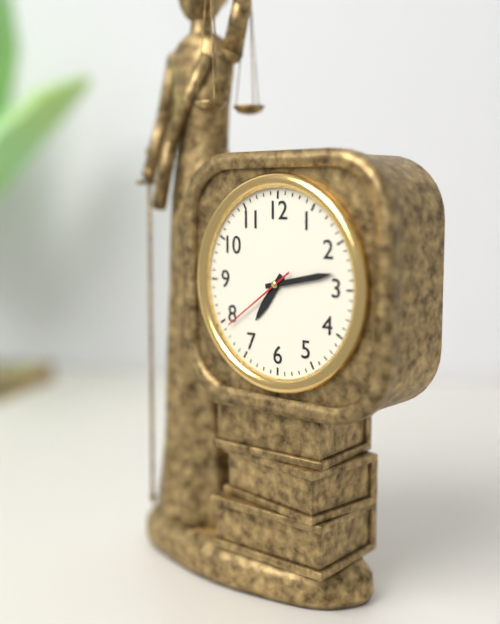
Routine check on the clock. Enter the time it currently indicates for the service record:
7:13:39
